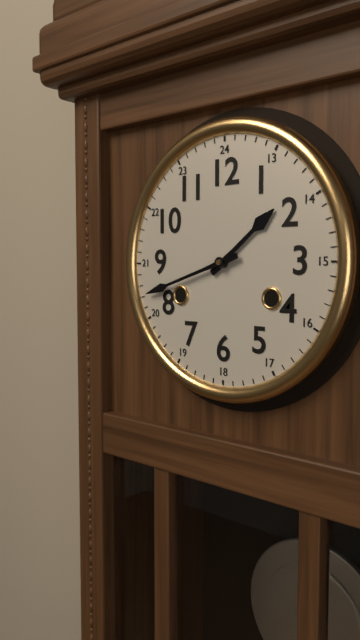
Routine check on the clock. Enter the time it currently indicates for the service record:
1:42
